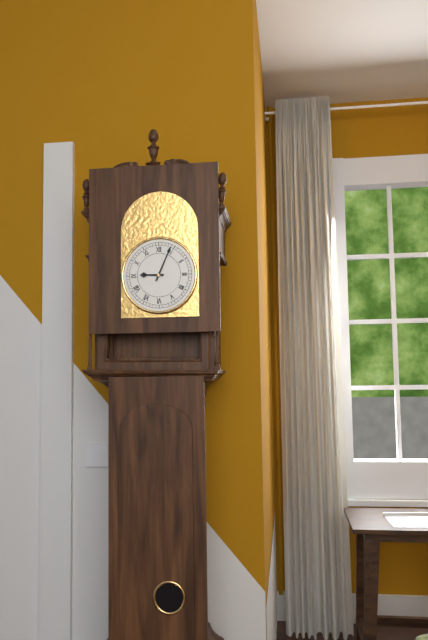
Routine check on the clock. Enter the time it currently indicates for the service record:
9:04
